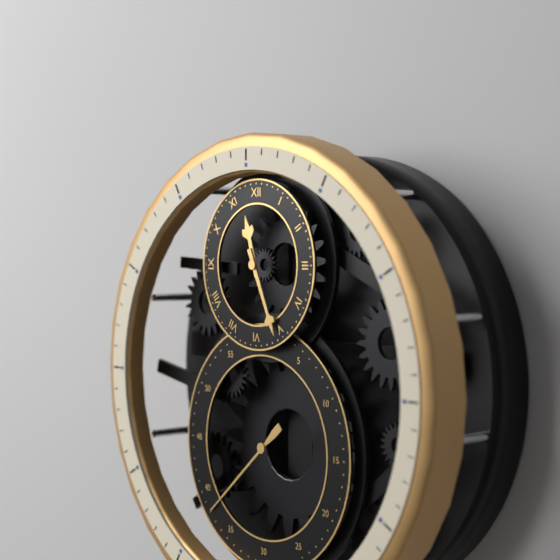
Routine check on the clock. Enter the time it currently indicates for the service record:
11:26:38
